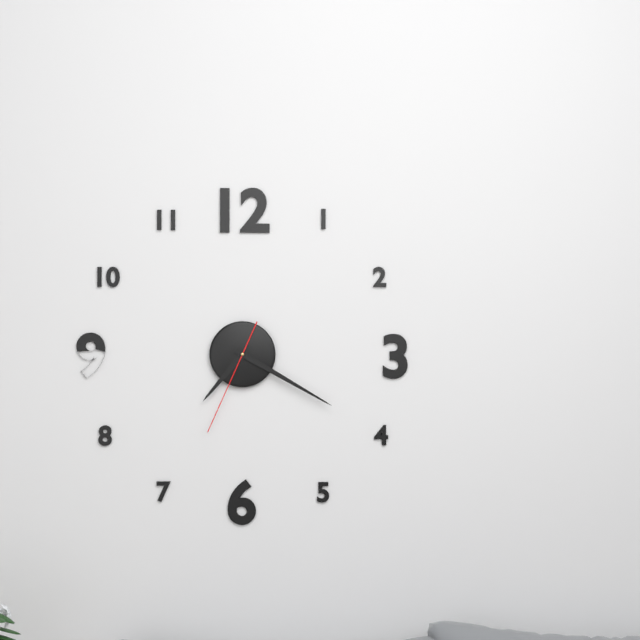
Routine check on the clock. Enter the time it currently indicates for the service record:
7:20:34
